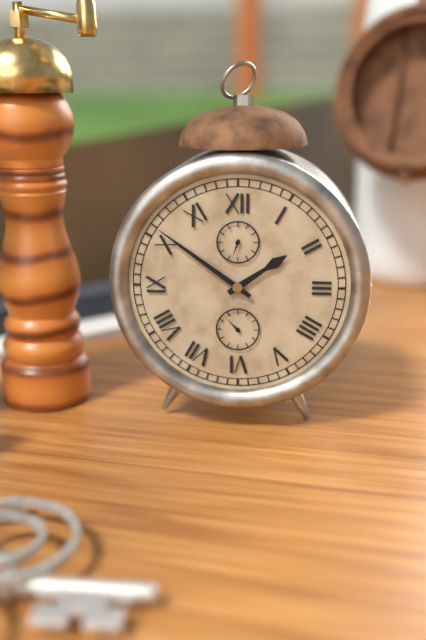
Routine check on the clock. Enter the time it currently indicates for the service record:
1:51
